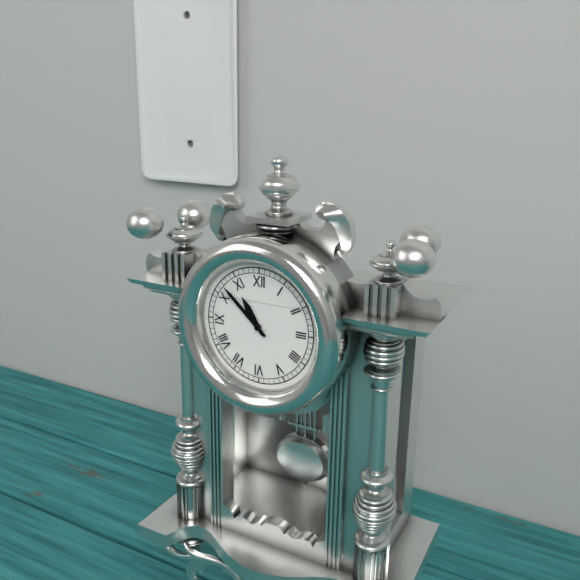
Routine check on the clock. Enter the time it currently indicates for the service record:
10:52
